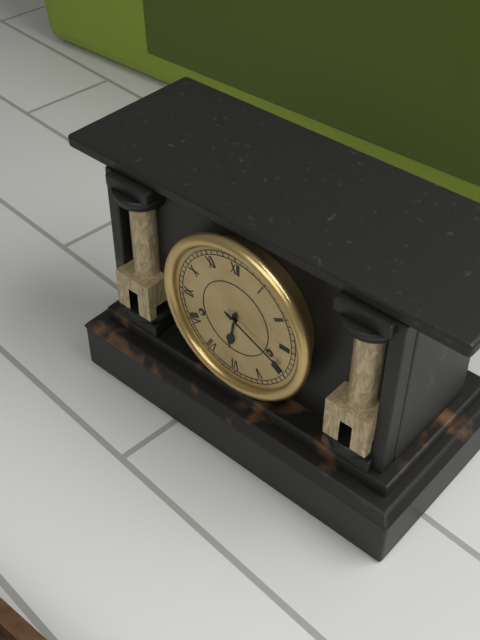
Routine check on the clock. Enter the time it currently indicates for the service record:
6:19
